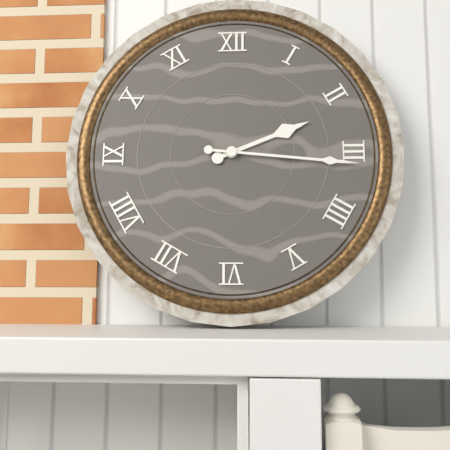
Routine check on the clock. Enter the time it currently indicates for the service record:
2:16
